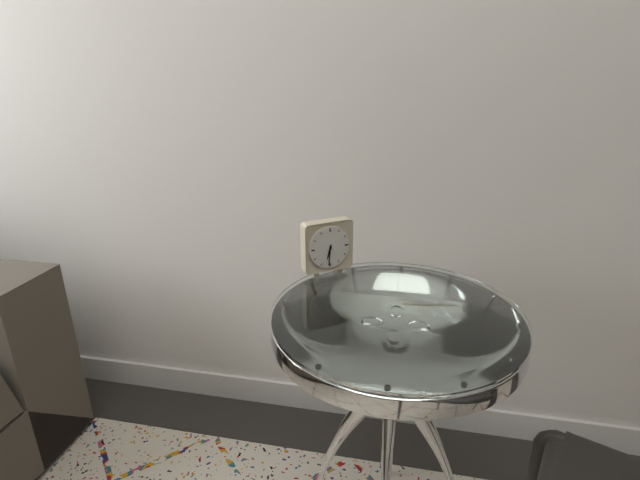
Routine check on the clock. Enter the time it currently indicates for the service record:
6:31
